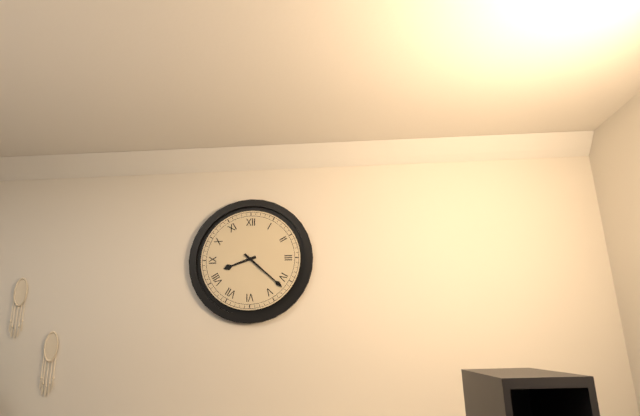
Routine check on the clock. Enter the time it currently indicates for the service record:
8:22
